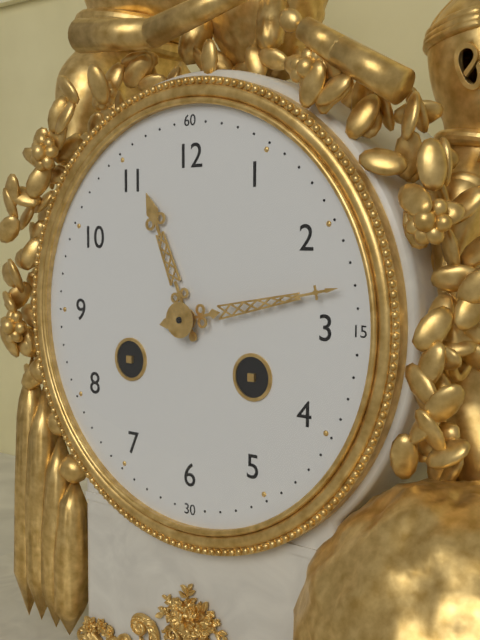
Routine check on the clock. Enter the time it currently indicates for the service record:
11:13
